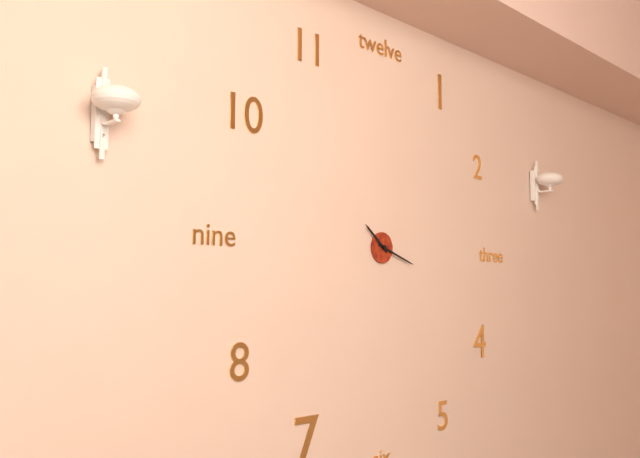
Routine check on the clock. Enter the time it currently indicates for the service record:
10:18
